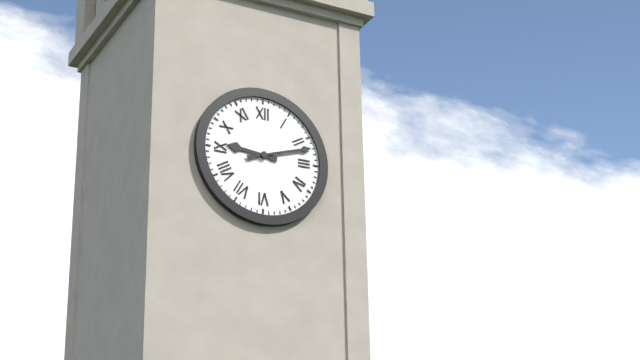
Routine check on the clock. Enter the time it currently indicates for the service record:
9:12
